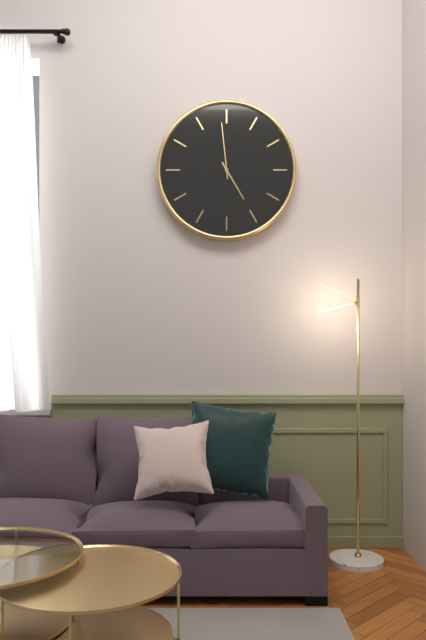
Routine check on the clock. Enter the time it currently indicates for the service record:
4:59
